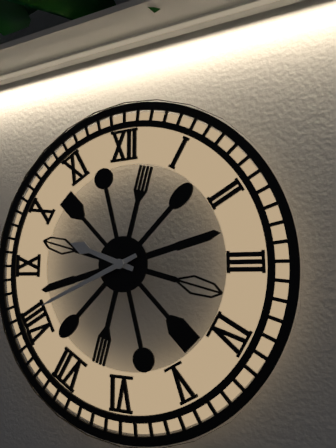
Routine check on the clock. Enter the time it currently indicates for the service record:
9:41
